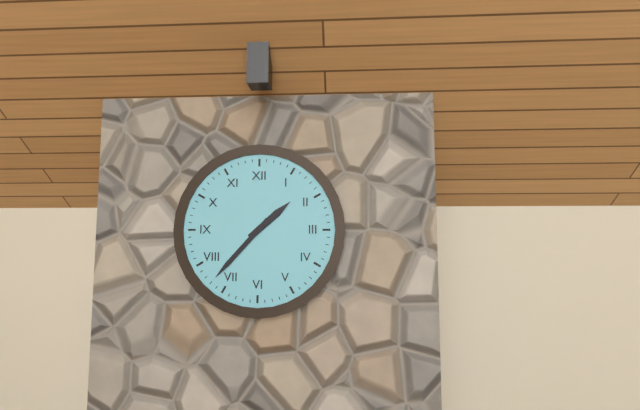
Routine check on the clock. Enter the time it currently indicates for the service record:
1:37
